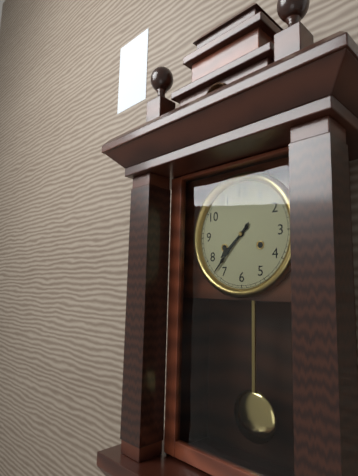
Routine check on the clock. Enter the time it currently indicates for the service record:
7:37
